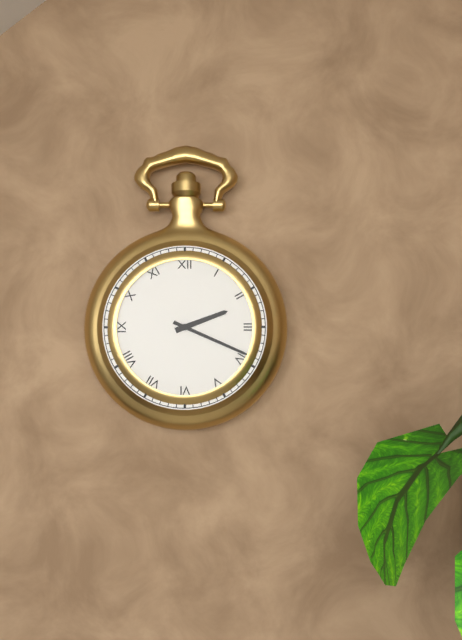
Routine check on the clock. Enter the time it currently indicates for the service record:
2:19
